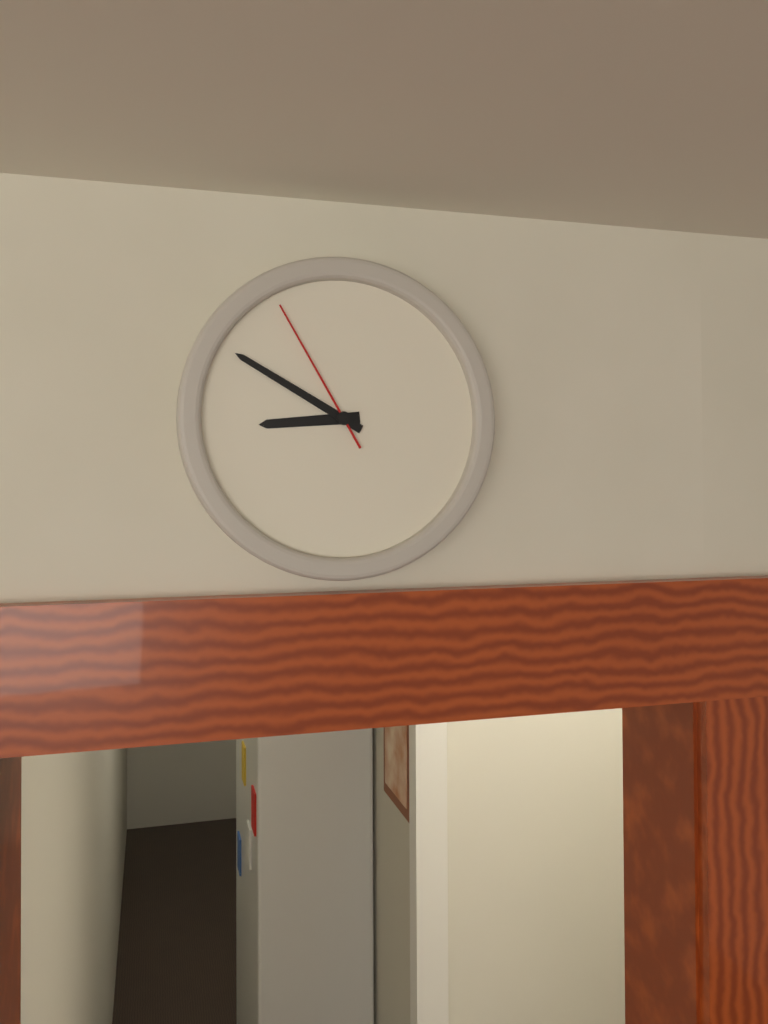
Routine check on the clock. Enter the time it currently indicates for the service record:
8:50:55
